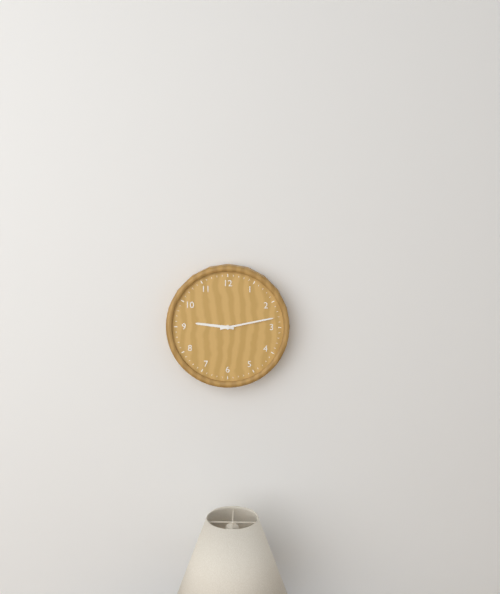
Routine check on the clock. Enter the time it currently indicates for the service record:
9:13
